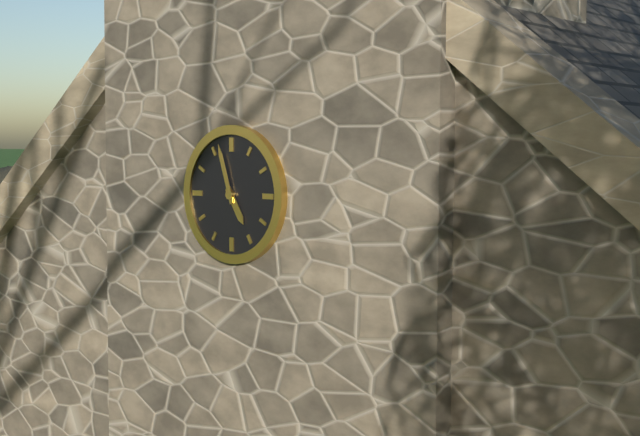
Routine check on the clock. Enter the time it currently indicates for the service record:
4:57
